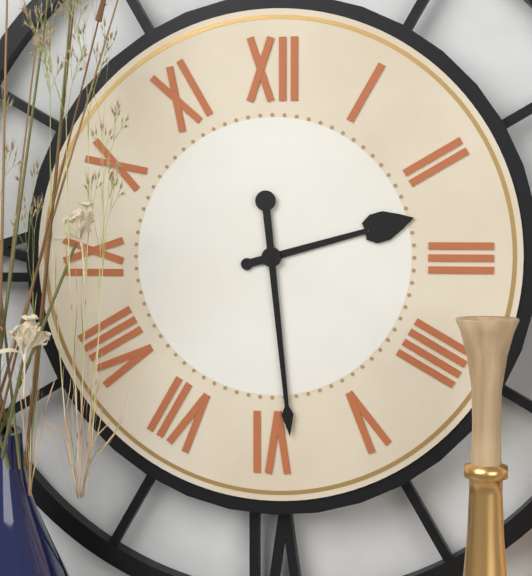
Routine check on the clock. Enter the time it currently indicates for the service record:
2:29
